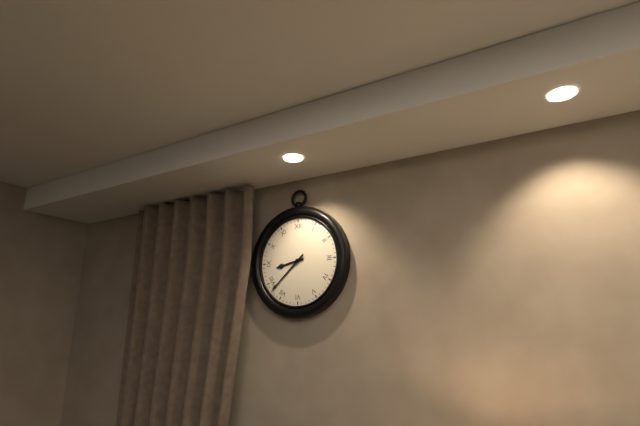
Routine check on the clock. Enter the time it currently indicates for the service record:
8:38
